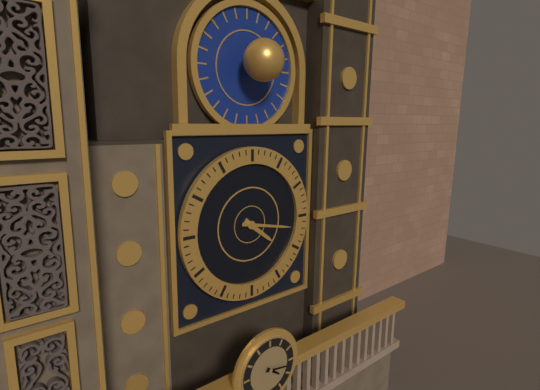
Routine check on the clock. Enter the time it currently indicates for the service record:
4:17
